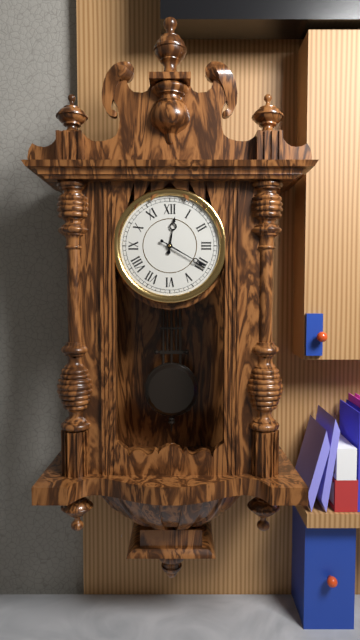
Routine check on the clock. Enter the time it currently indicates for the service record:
12:20
